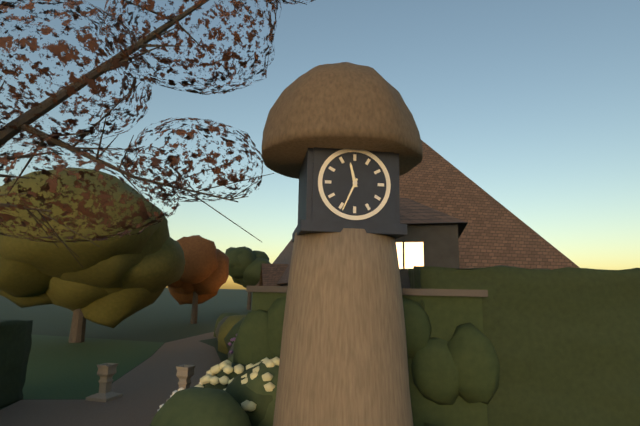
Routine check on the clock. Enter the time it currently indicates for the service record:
11:34
